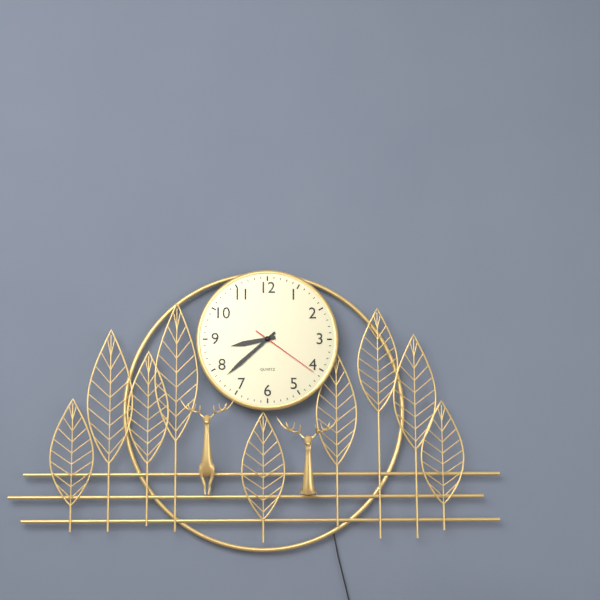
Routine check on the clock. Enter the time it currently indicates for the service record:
8:38:21
